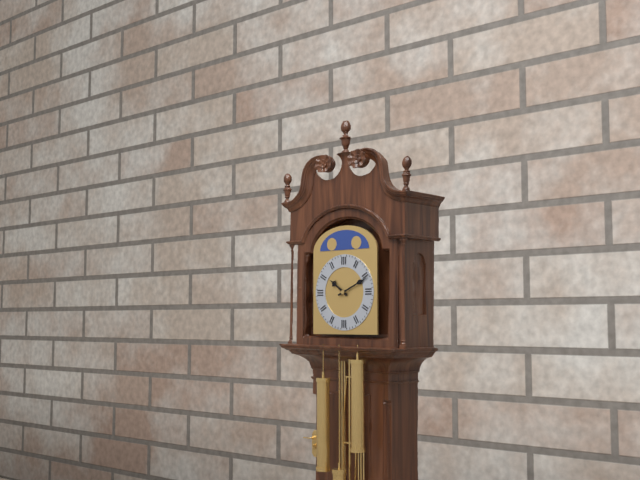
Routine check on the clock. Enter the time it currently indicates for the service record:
10:11
